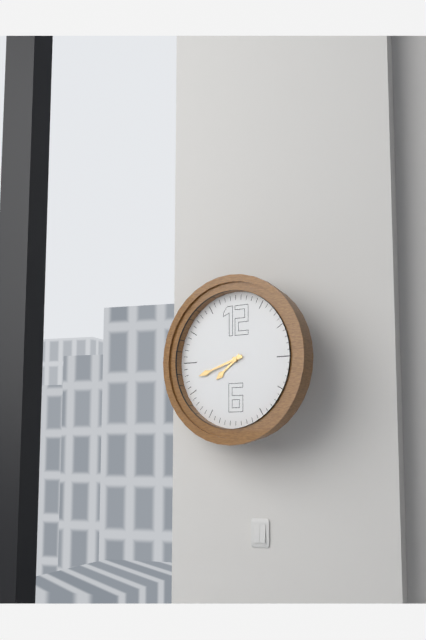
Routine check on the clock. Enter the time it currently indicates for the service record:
7:42
